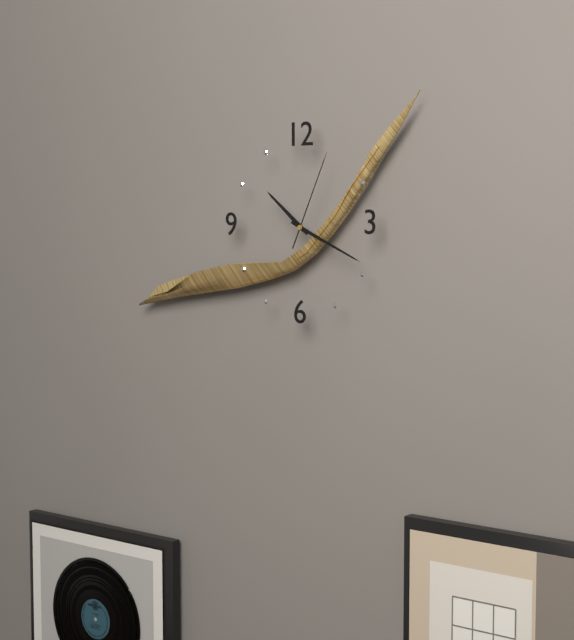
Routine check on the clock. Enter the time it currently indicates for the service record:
10:19:04
